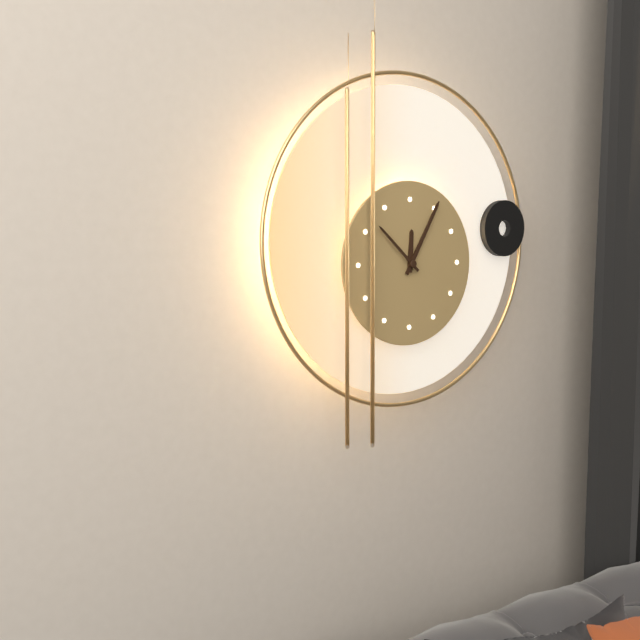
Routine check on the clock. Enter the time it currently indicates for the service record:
12:05:52
